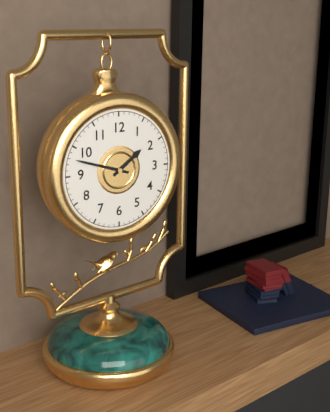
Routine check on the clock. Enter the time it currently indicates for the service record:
1:48
